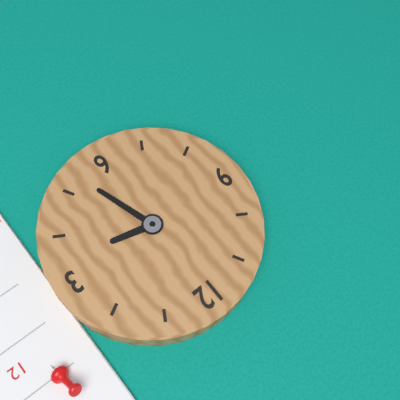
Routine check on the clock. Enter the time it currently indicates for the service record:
3:27
